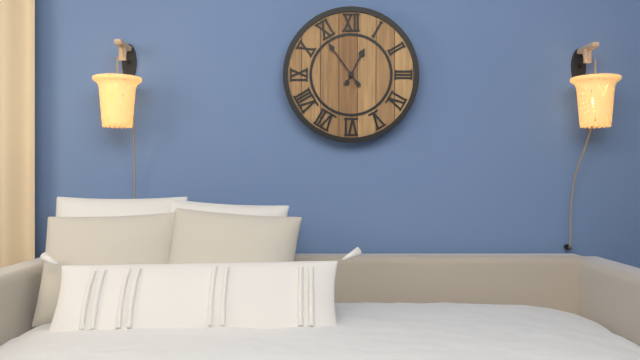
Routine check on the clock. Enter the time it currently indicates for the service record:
12:54
